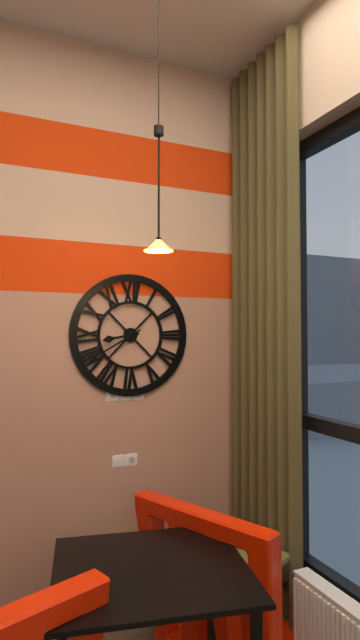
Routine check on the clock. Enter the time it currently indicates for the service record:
8:40
